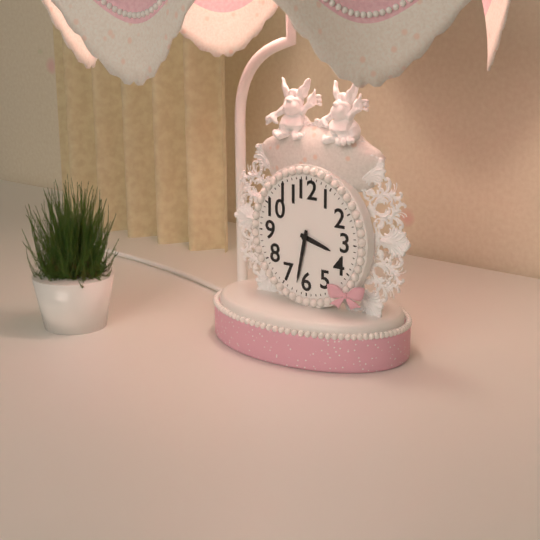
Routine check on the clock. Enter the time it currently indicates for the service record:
3:32
